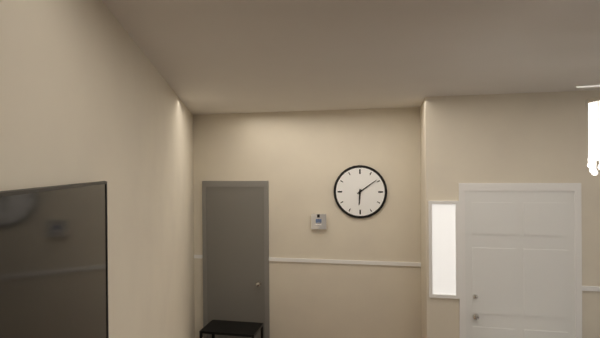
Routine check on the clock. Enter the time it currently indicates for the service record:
6:09
